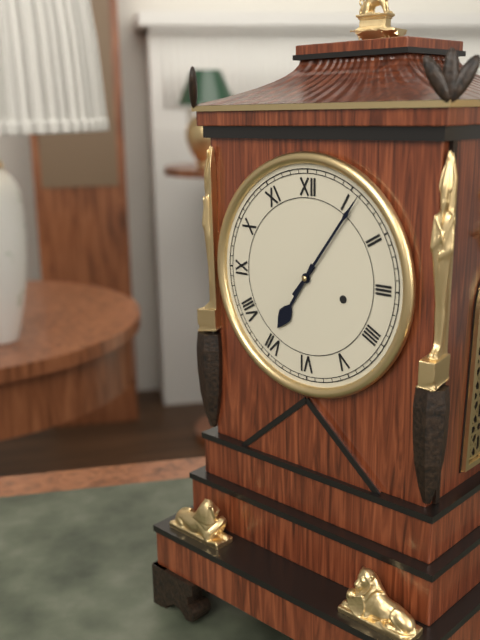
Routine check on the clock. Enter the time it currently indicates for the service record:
7:06
